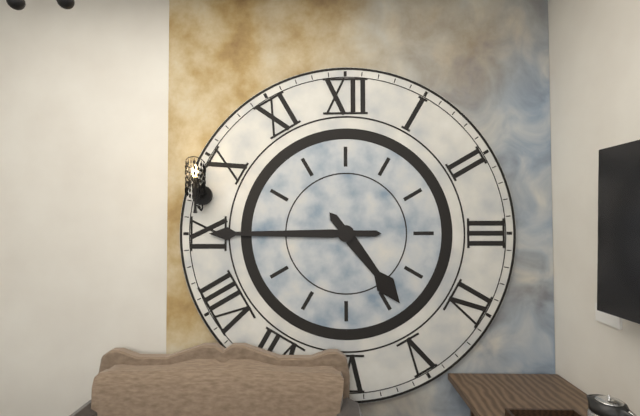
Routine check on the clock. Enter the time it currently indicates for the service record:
4:45
